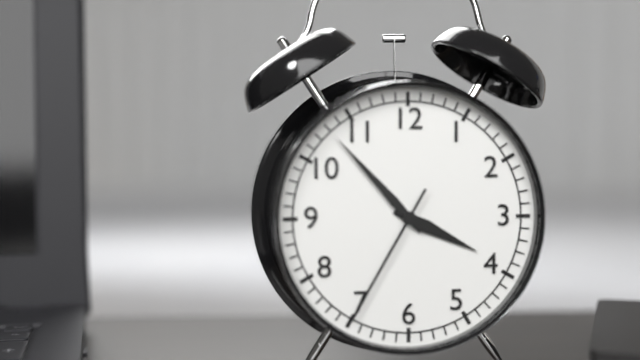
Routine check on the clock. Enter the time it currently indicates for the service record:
3:53:35
